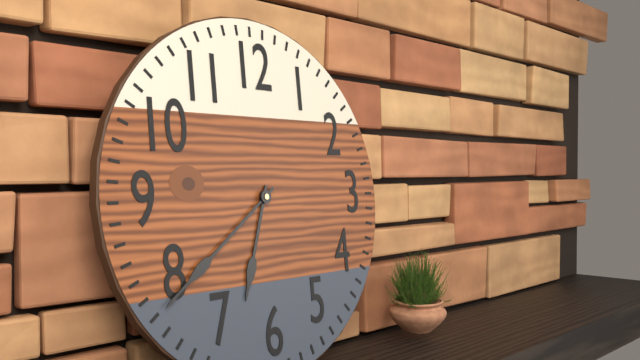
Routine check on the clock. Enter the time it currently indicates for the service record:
6:39
